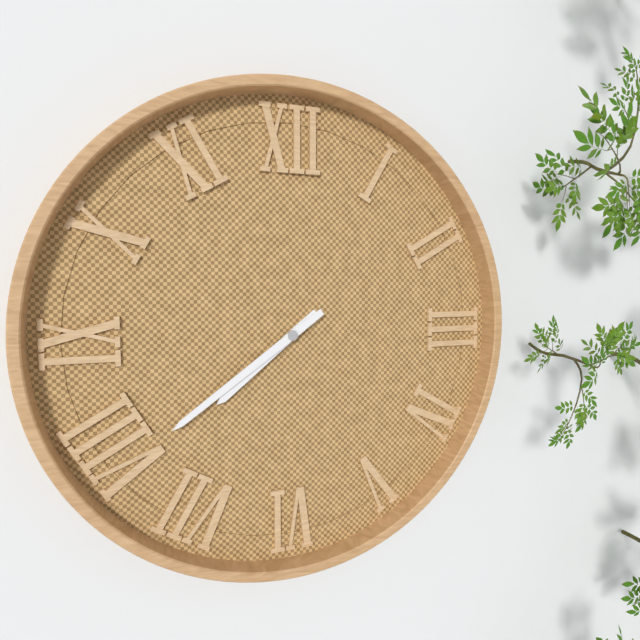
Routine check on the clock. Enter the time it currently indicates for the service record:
7:39
